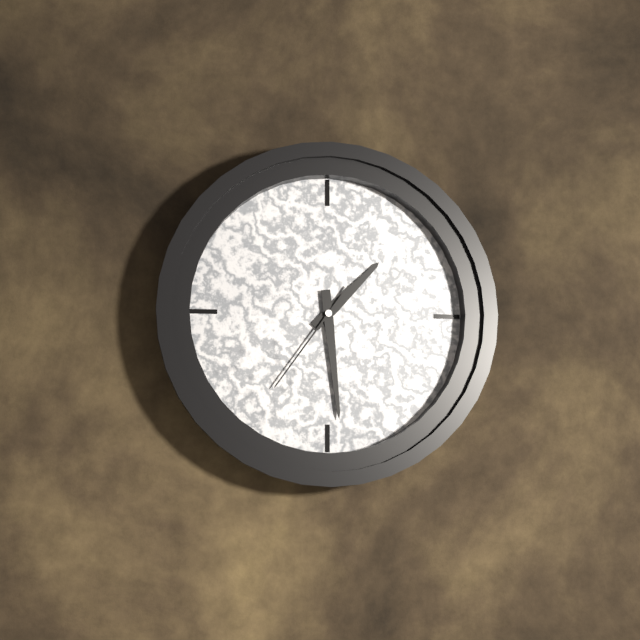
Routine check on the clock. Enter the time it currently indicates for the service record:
1:29:36
